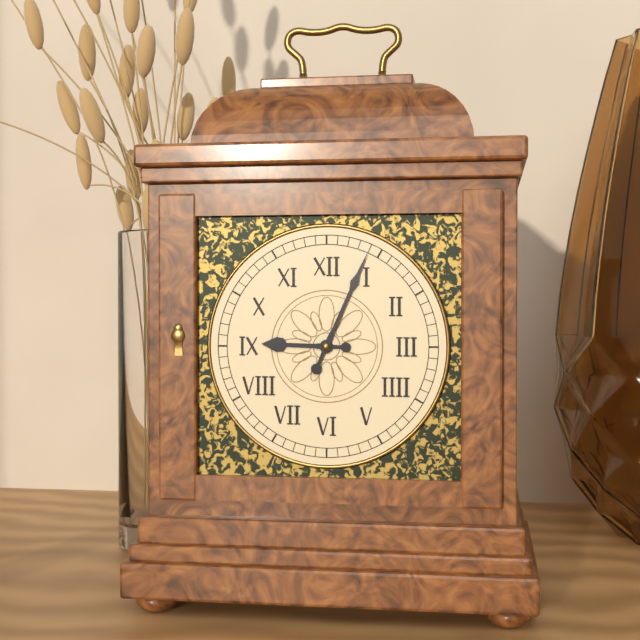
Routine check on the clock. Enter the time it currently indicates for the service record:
9:04
